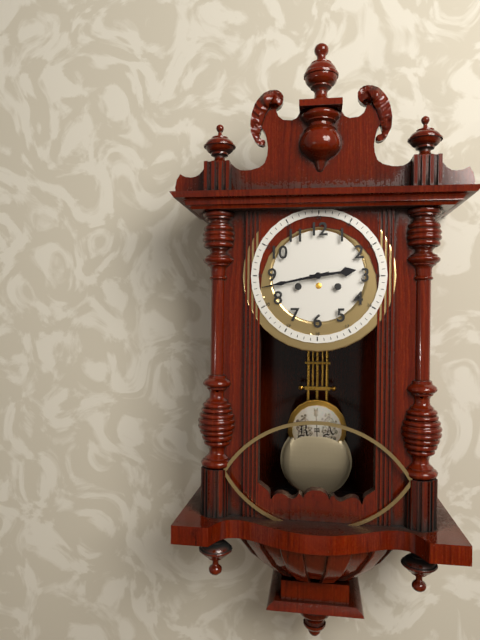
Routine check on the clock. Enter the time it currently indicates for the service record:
2:43
